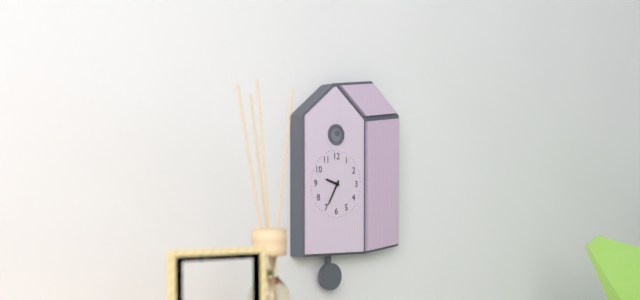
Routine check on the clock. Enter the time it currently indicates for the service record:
9:35
